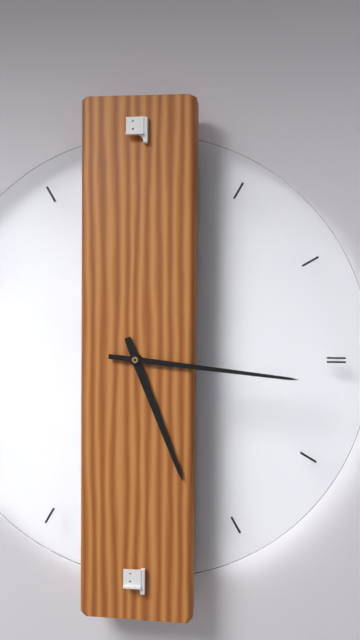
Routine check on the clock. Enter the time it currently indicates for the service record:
5:16
